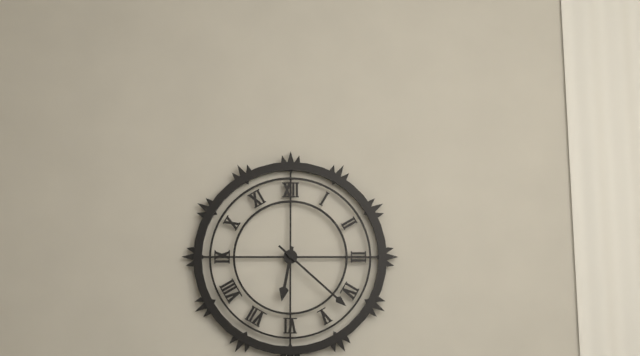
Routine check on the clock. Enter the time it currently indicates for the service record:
6:22
